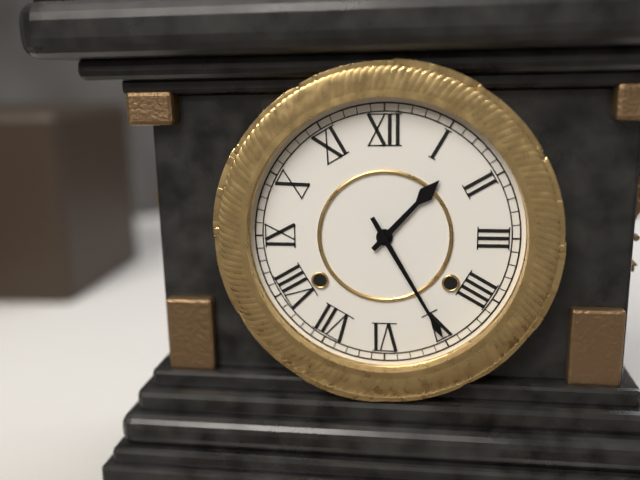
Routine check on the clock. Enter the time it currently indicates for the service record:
1:25
